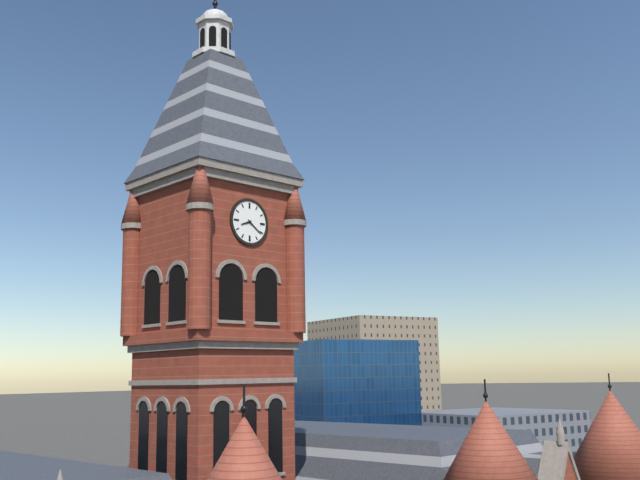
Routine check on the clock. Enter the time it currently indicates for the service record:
8:21
